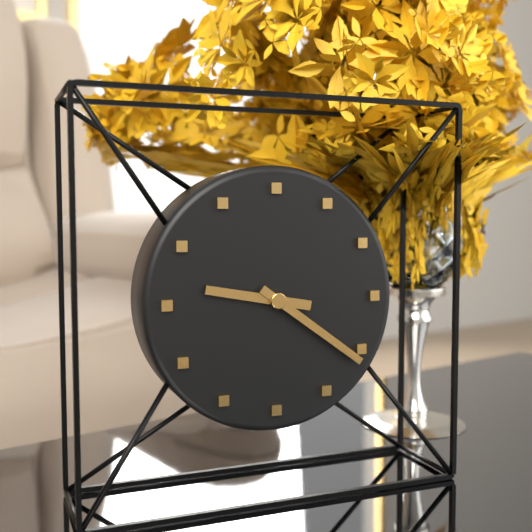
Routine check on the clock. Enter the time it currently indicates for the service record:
9:21
